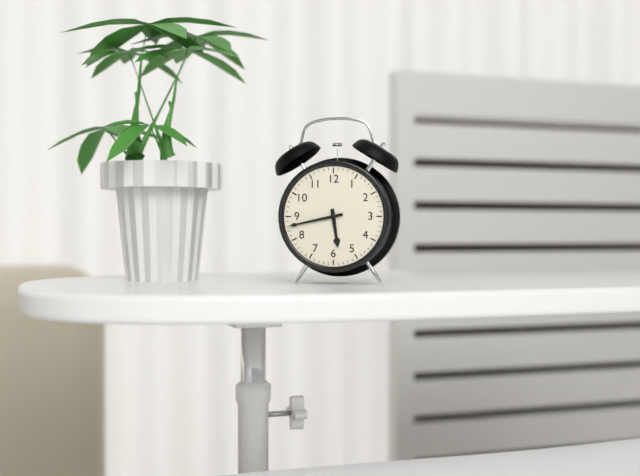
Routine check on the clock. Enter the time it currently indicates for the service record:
5:43
